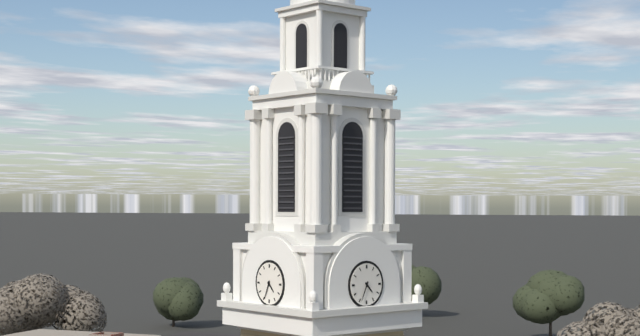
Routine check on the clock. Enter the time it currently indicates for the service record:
4:34
